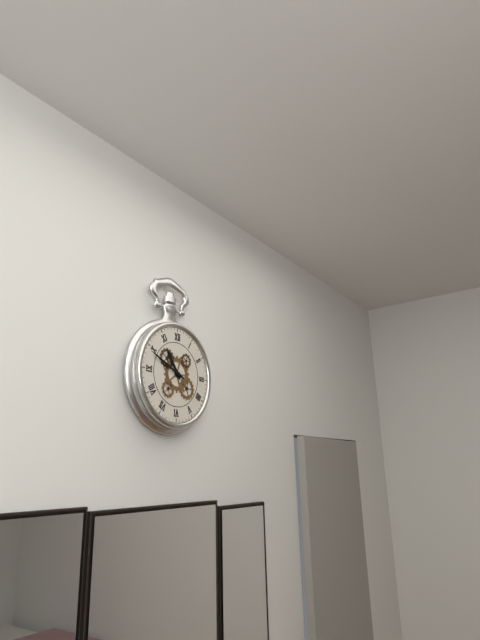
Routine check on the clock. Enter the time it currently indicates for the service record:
10:49
